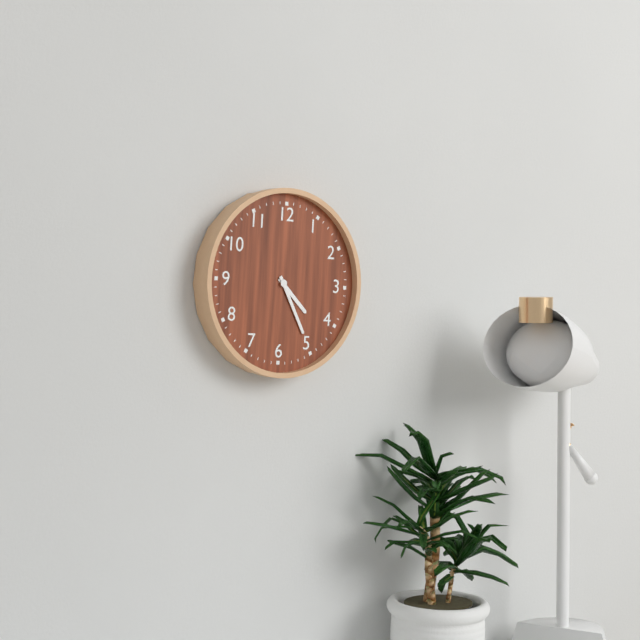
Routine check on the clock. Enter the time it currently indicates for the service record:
4:25
